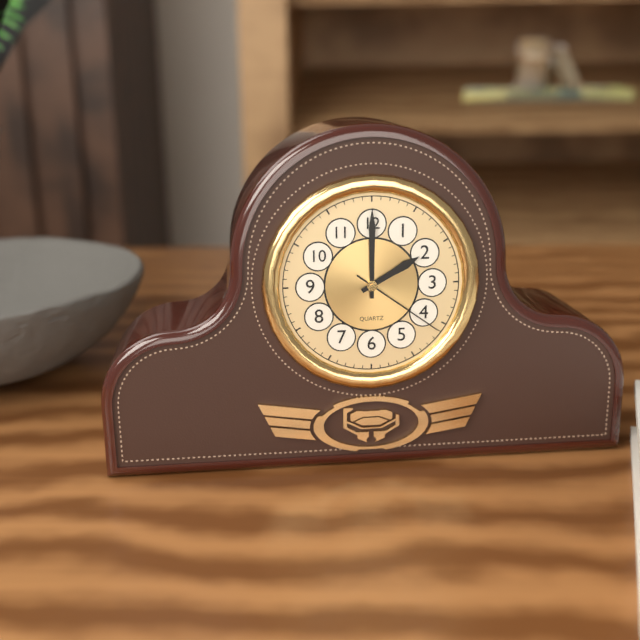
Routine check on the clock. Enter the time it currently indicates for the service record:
2:00:21
